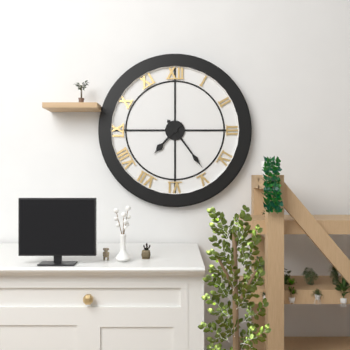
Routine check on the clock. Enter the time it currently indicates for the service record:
7:24
